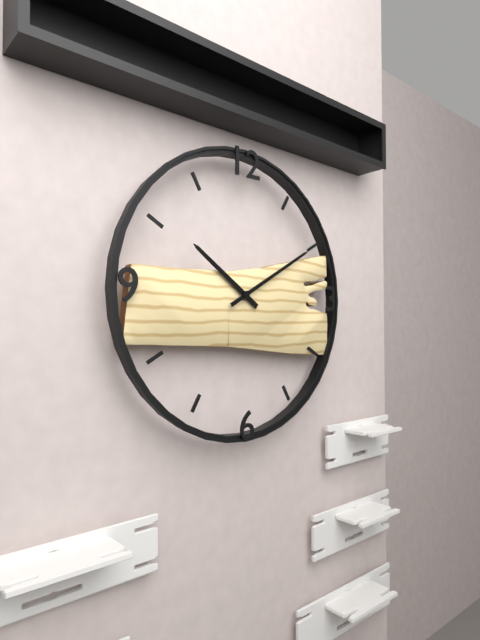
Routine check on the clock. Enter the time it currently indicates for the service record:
10:10
